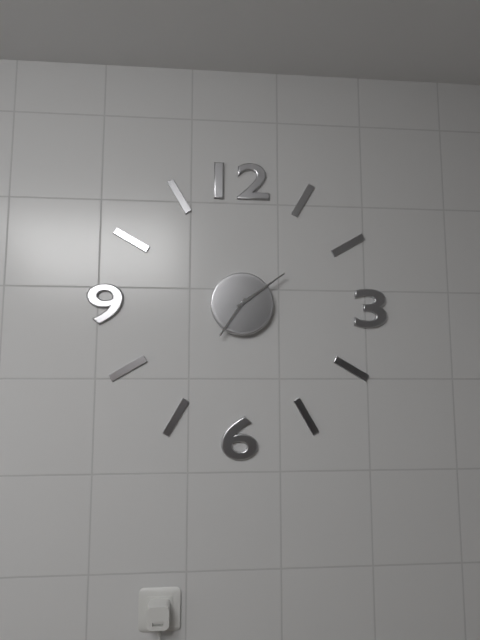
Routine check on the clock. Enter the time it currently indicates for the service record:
7:09
